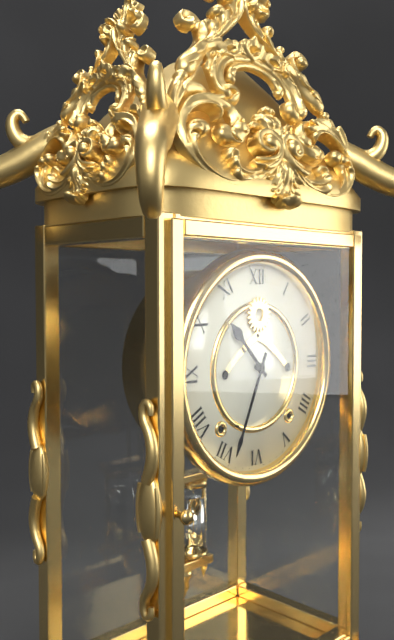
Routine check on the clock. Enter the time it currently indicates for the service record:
10:34
